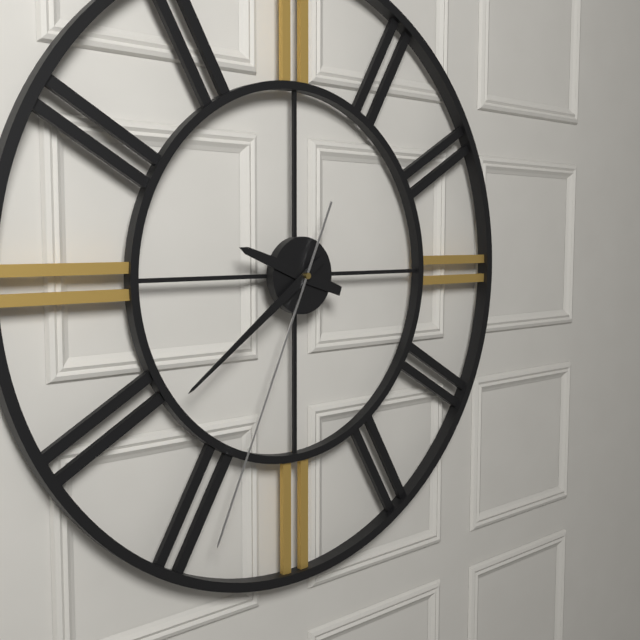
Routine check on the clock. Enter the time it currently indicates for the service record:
9:39:34
